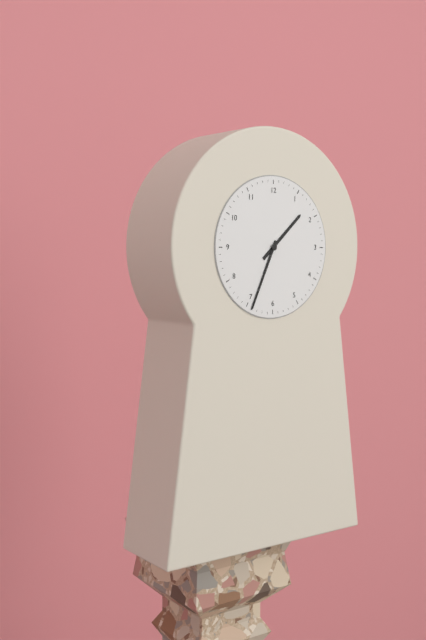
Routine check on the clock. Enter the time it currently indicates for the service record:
1:34
